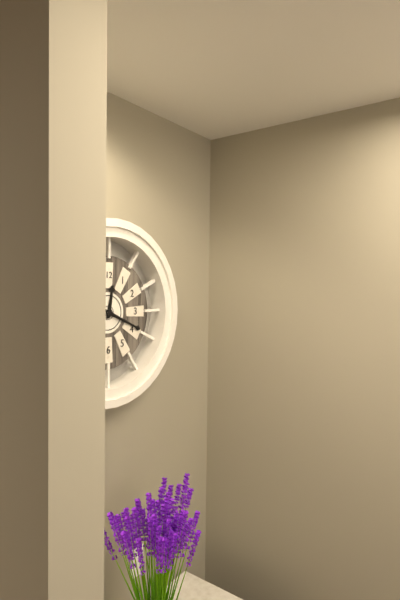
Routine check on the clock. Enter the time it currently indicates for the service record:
12:19
